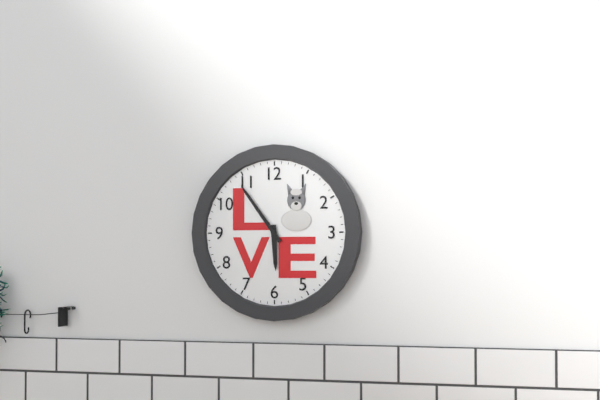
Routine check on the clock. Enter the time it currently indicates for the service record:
5:54
